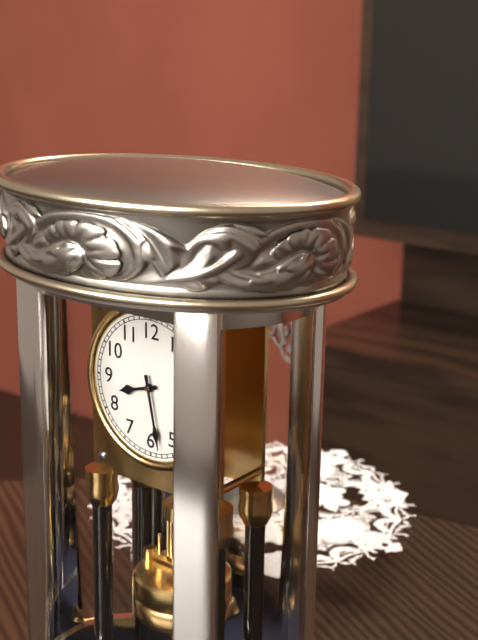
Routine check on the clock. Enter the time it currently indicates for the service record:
8:28
